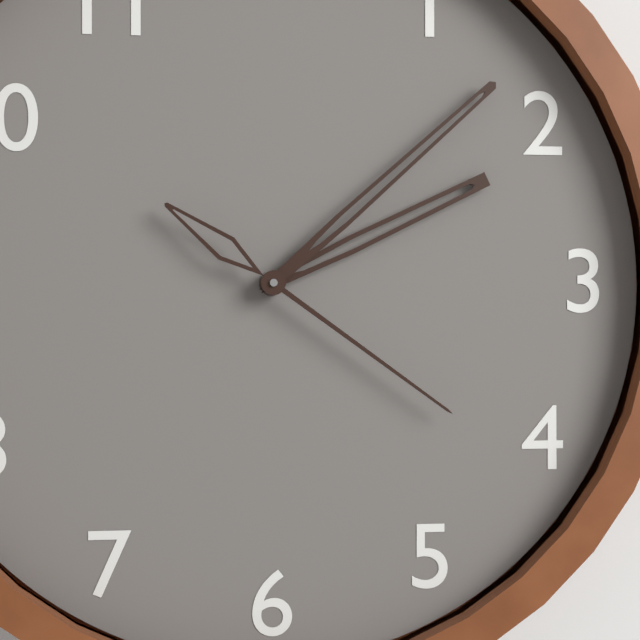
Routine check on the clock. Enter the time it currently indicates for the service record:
2:08:21
